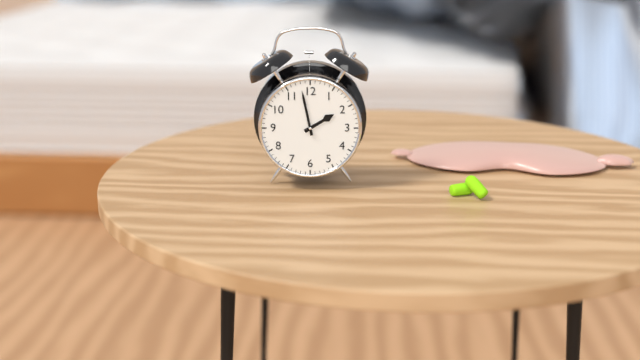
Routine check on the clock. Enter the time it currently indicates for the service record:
1:58
